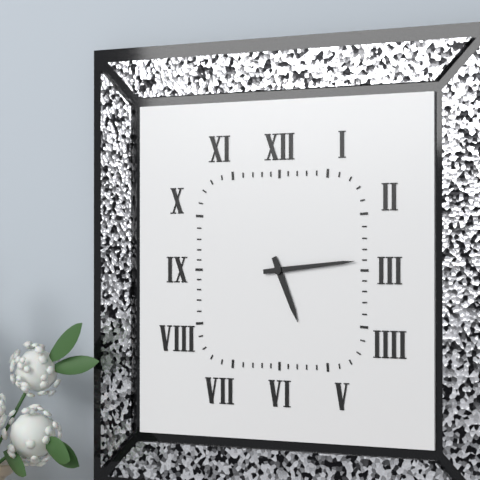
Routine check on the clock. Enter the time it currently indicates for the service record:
5:14
